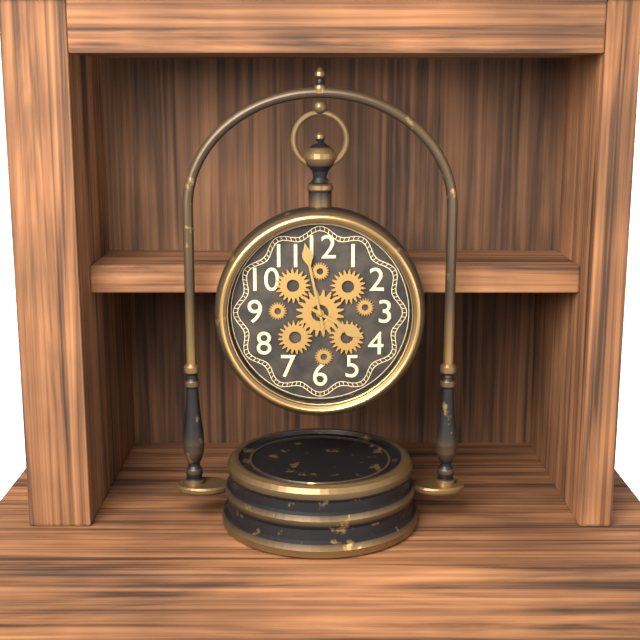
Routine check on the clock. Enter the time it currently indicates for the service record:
3:58
